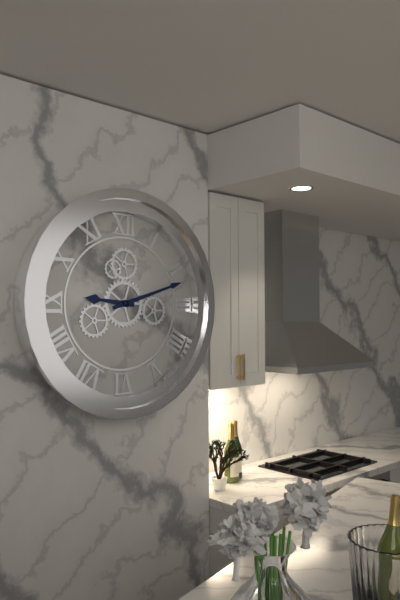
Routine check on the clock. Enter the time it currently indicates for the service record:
9:12
